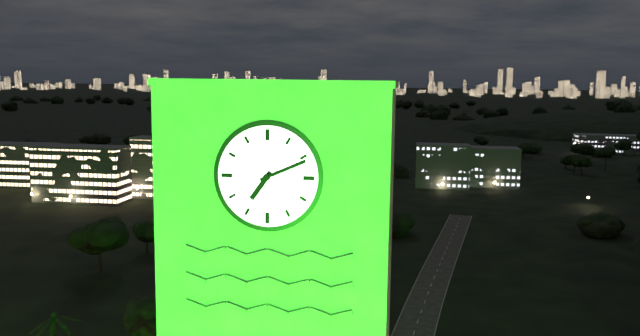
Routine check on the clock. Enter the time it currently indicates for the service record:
7:11
